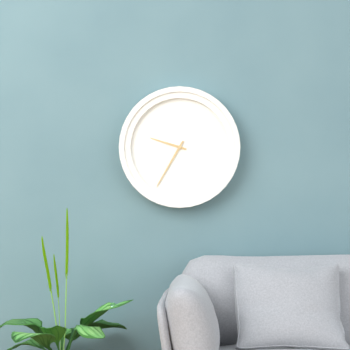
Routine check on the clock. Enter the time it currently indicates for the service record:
9:35
